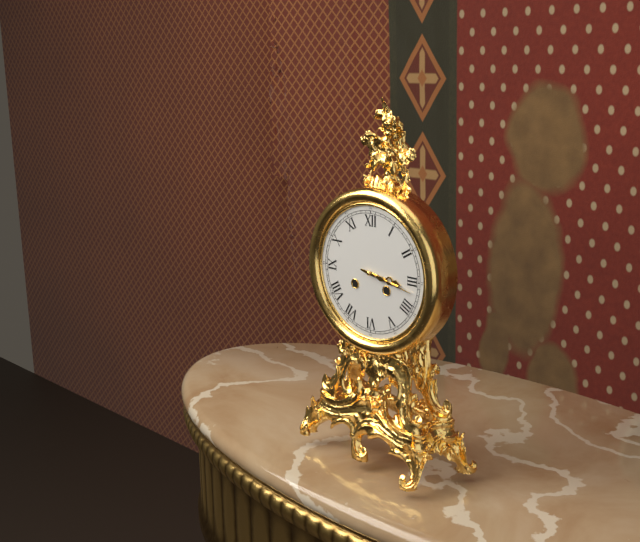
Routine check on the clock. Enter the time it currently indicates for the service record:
3:17
